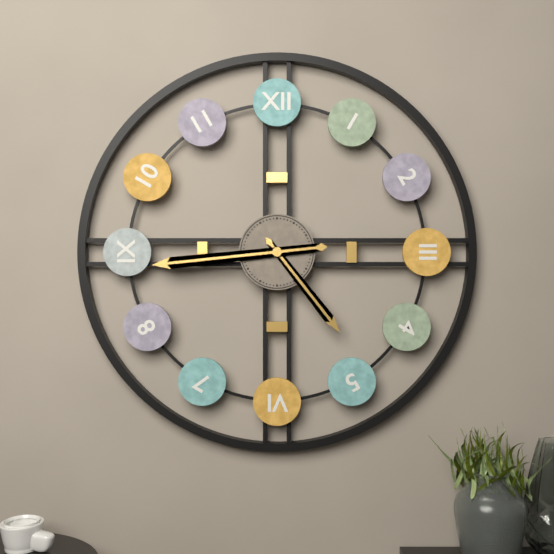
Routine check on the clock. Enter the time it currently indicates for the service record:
4:44
